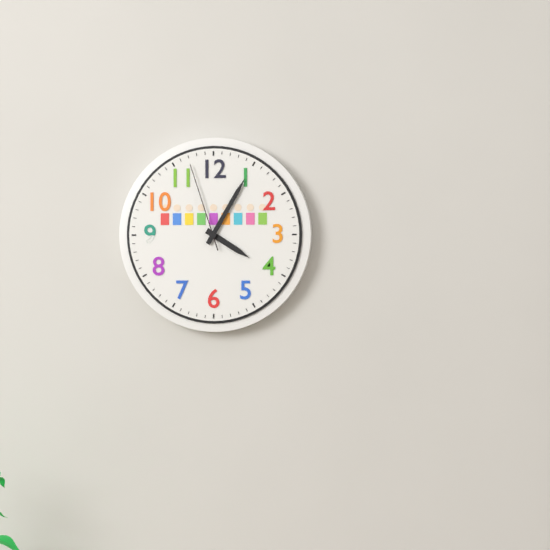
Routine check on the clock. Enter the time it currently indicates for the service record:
4:05:57
